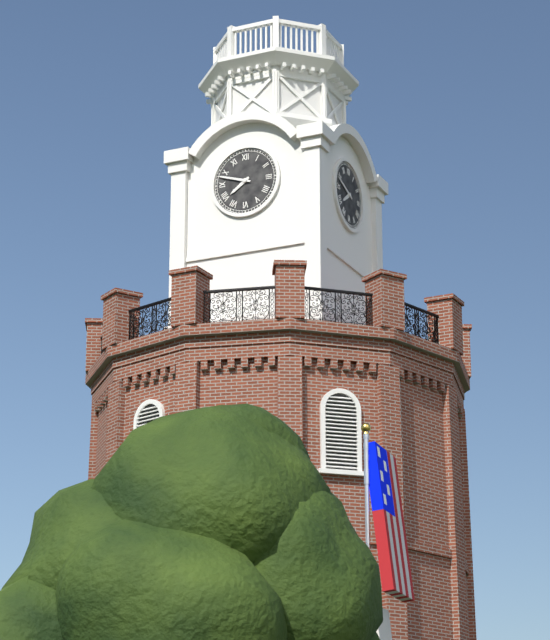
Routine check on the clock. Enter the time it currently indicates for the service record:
7:48
